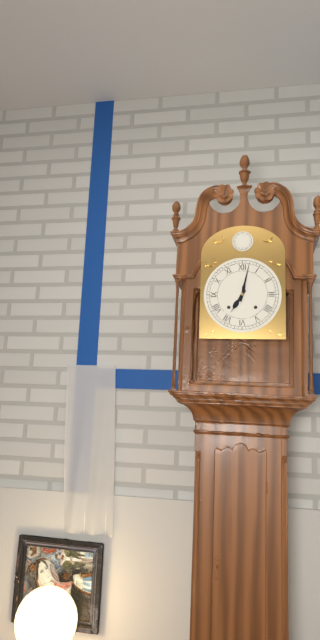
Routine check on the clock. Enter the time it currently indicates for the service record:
7:02
